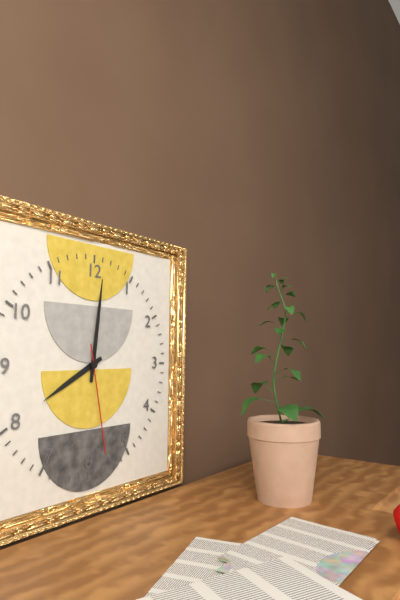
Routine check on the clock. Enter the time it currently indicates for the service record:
8:01:28
